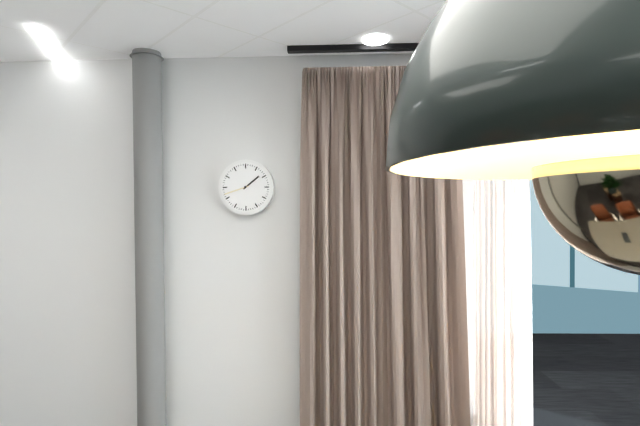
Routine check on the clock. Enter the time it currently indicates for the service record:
1:42
